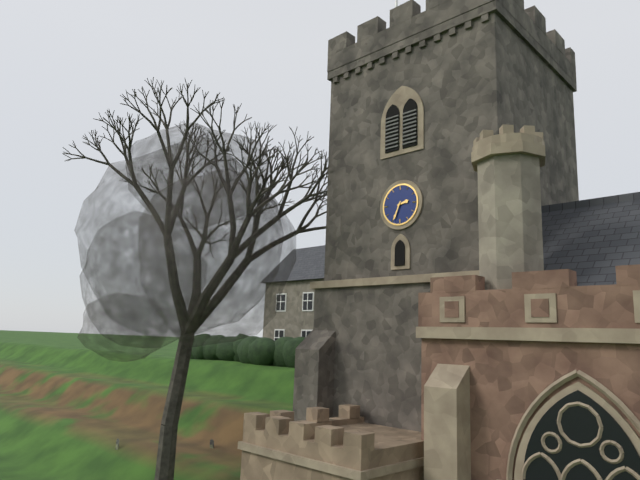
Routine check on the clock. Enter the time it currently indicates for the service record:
2:34
